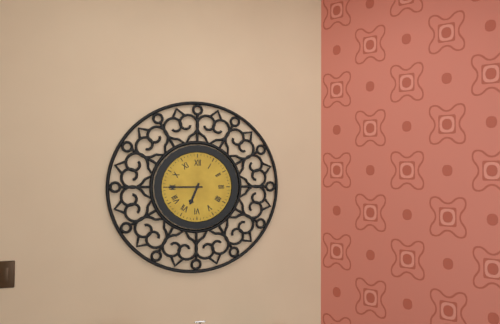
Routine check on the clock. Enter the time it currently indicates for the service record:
6:45
